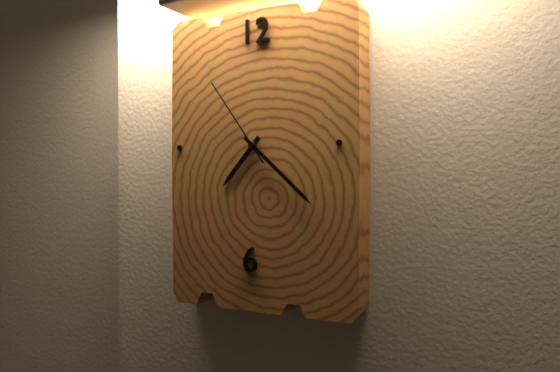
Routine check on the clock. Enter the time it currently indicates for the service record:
7:22:54
